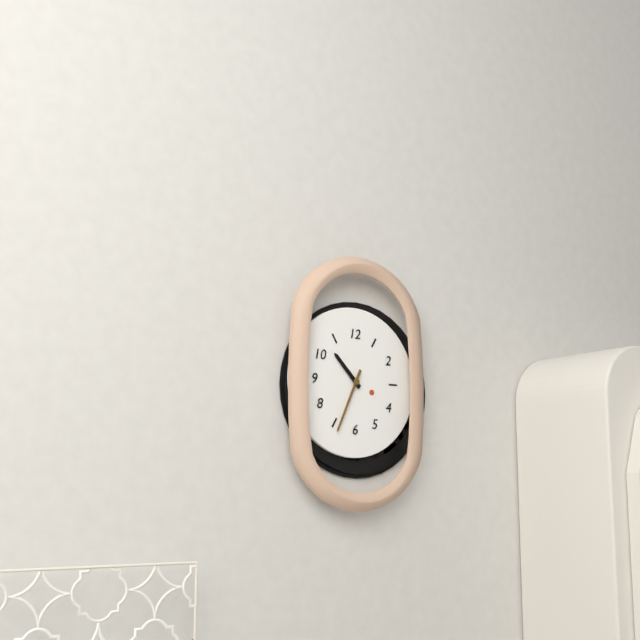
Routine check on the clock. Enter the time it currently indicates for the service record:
10:34
